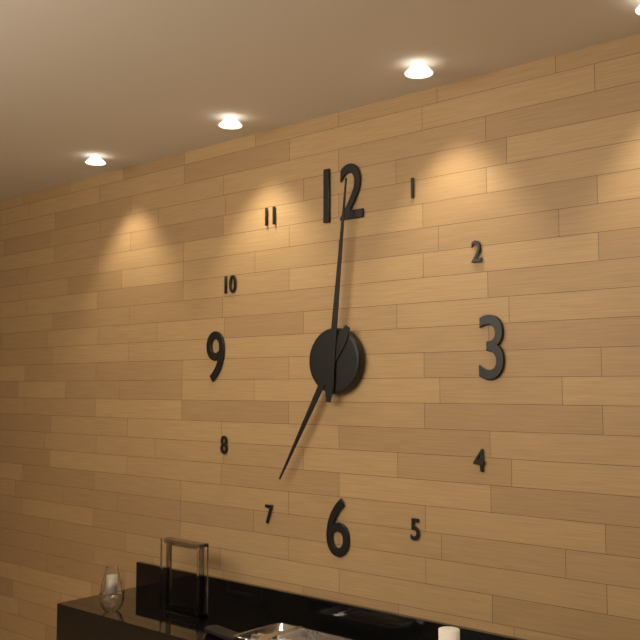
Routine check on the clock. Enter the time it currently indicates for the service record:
7:01
